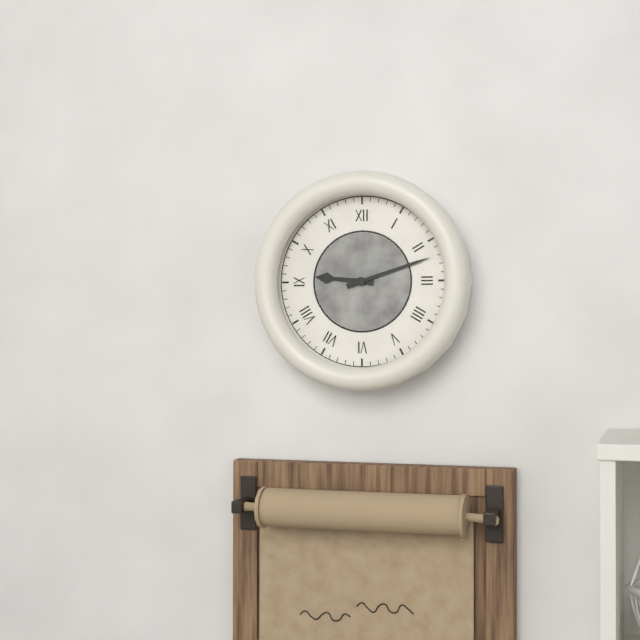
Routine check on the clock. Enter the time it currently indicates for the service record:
9:12
